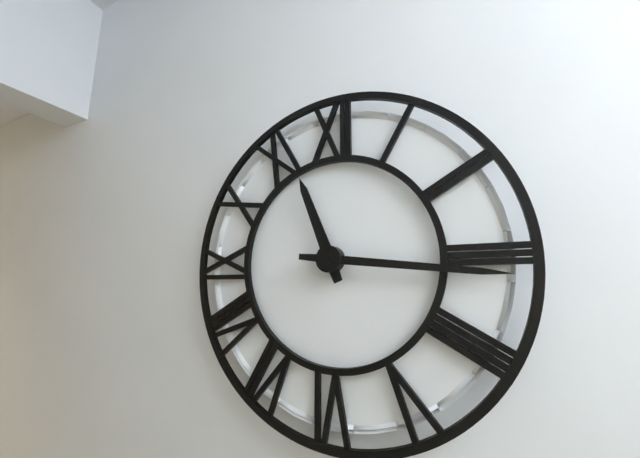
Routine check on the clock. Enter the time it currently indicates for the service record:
11:16
